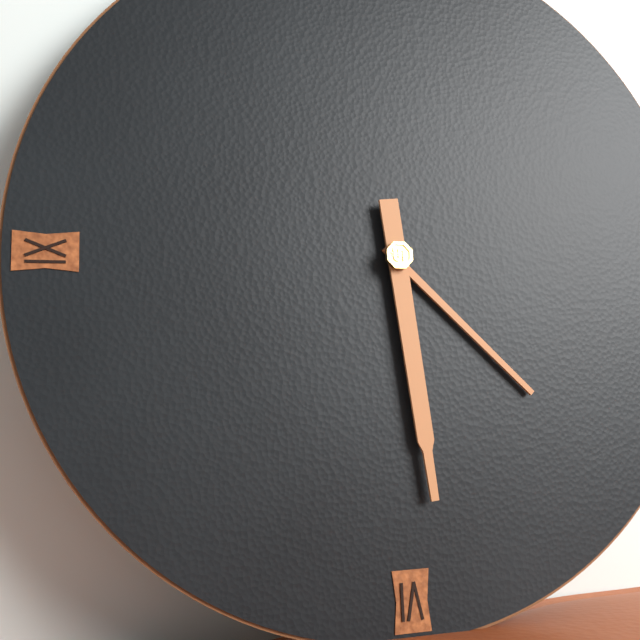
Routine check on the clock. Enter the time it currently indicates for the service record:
4:29
